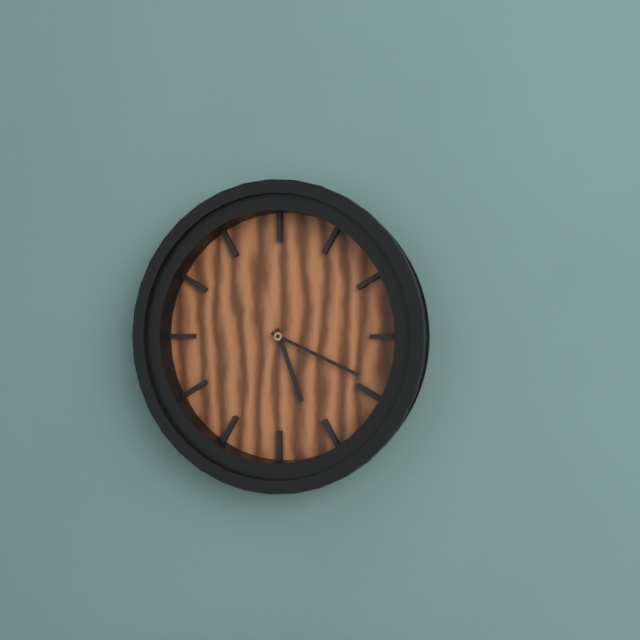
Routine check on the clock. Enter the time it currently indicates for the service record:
5:19
